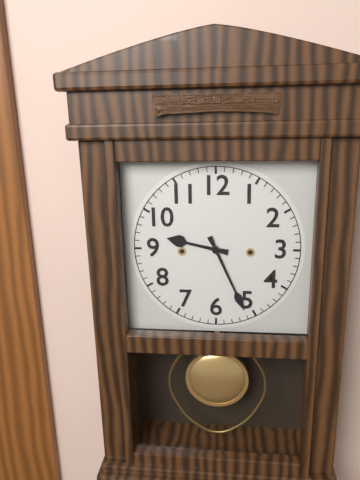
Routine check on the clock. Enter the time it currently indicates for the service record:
9:26
